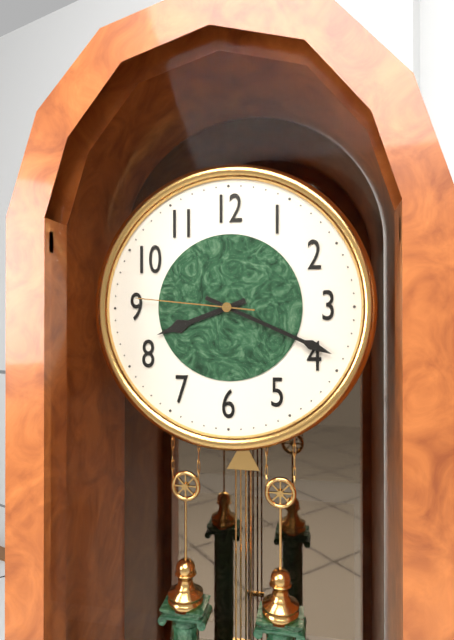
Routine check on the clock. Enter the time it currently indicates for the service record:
8:19:46
